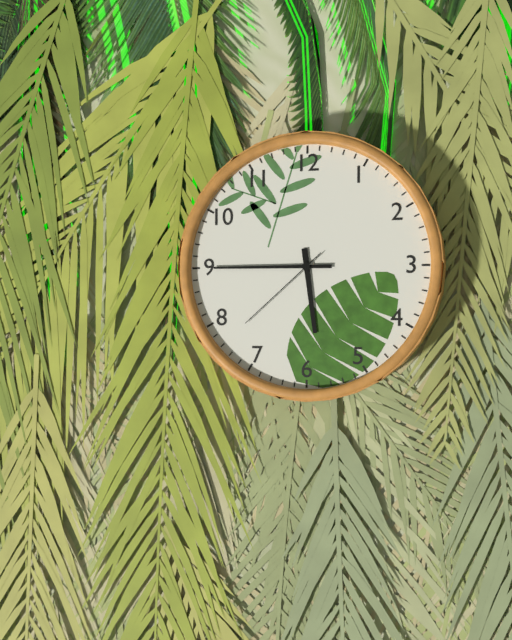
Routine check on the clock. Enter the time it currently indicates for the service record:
5:45:38
